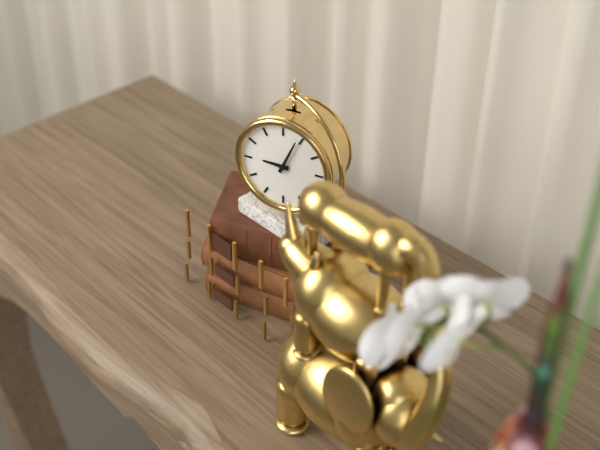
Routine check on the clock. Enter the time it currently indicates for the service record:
9:04
